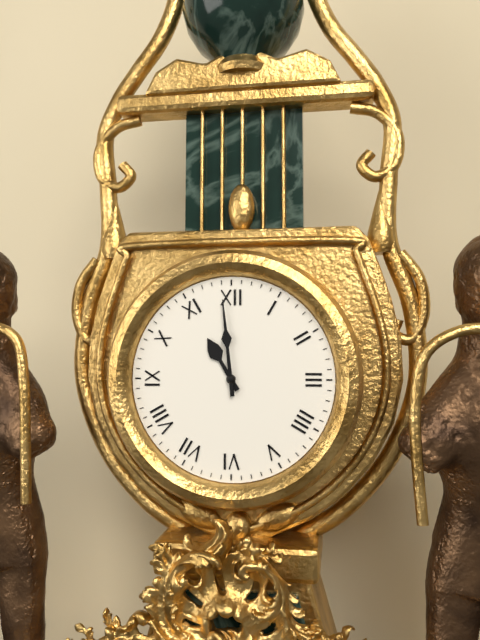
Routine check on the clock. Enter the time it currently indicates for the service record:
10:59
